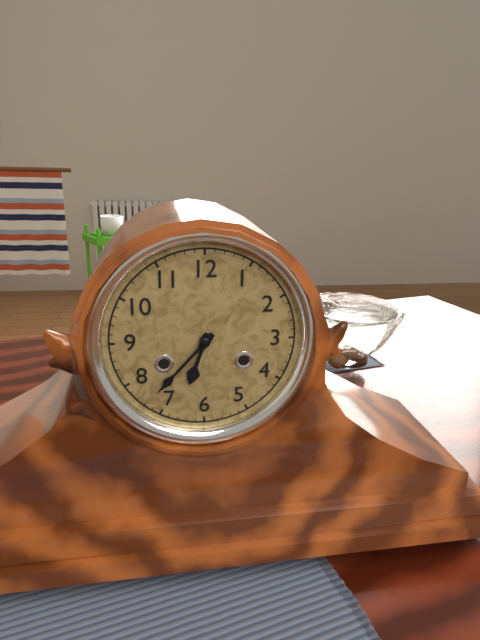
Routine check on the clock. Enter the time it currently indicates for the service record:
6:37
